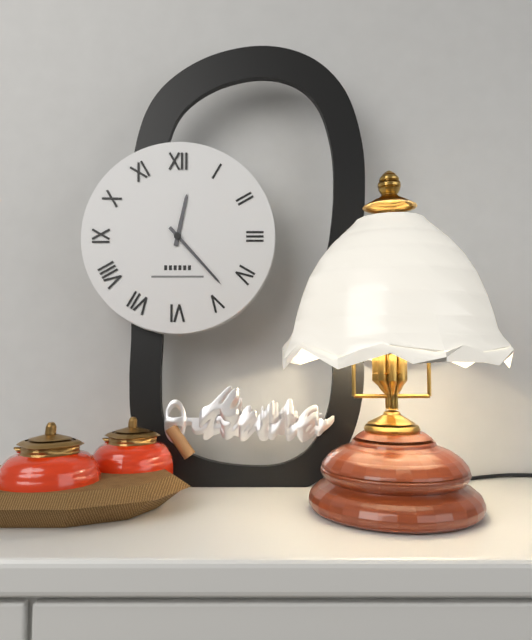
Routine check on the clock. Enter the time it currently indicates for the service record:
12:23
